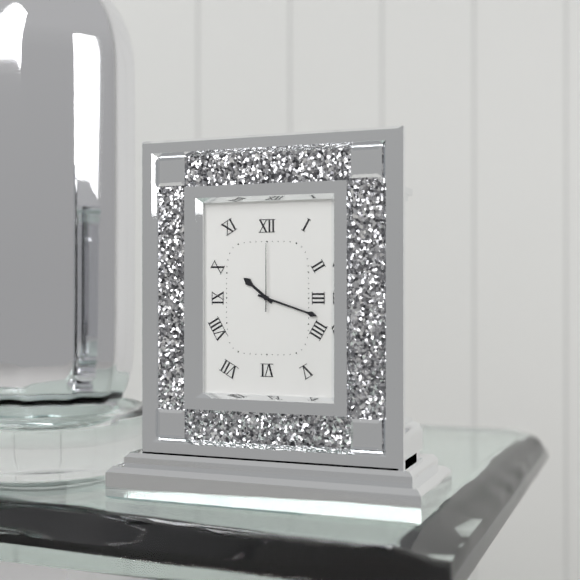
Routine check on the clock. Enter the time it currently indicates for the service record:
10:18:00
